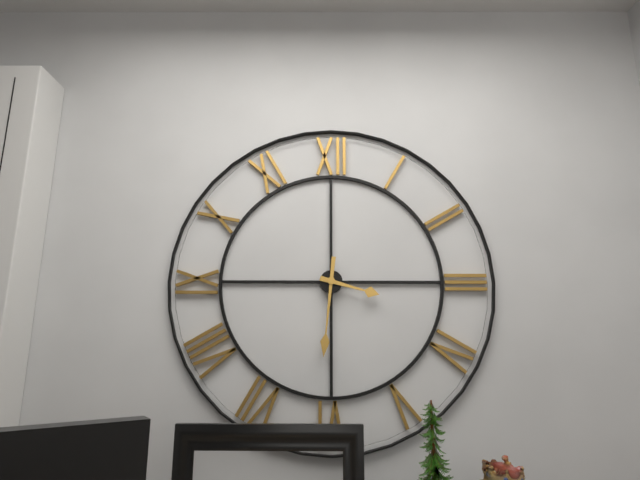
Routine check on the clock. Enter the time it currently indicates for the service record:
3:31
